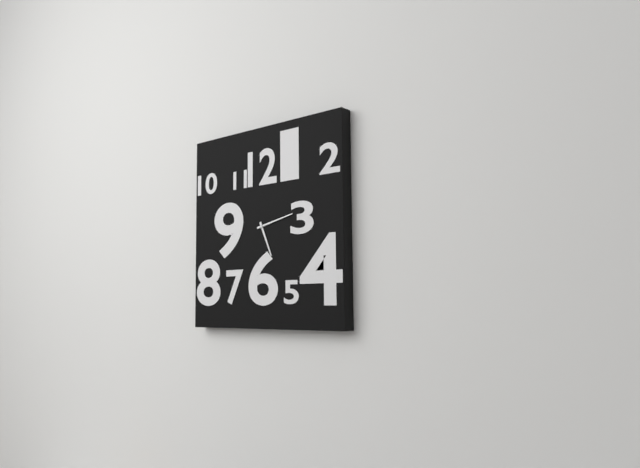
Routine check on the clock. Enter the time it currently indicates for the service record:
5:13
